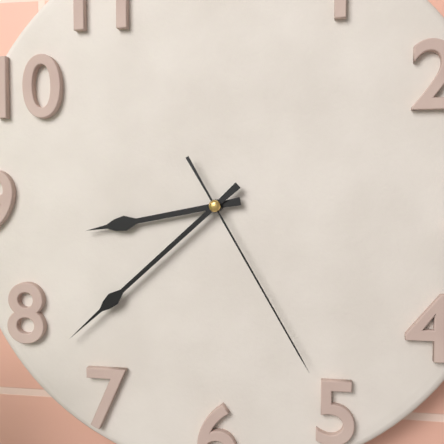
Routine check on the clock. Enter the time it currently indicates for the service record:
8:38:25
